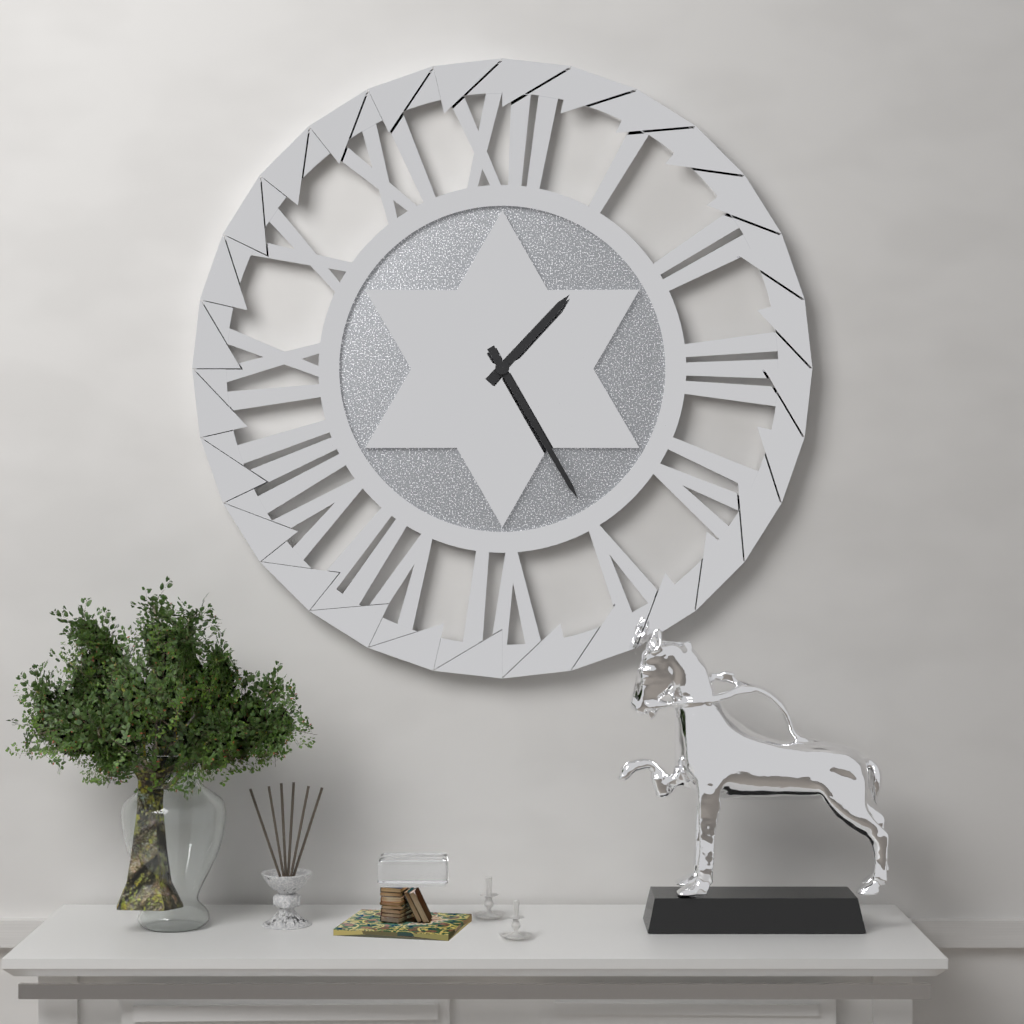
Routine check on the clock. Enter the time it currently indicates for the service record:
1:25
